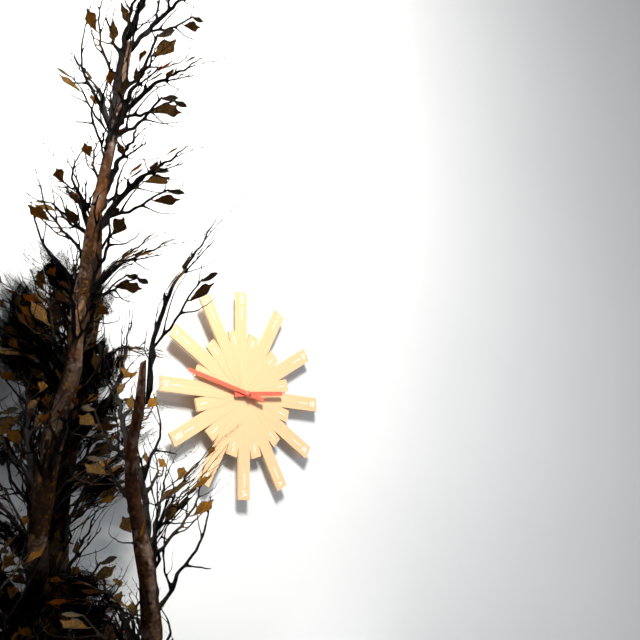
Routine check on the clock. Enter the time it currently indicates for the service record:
2:47
